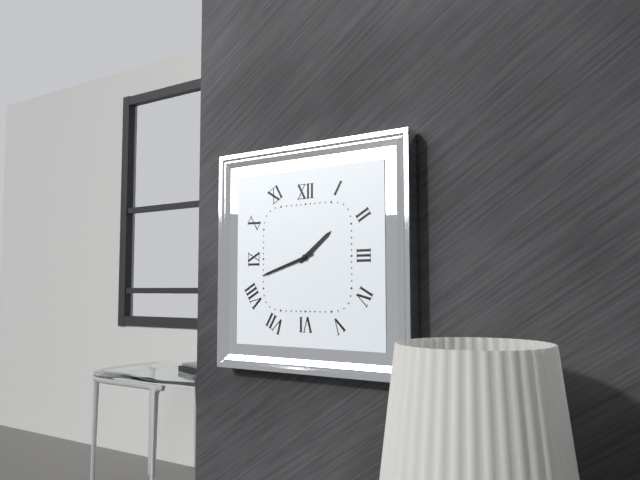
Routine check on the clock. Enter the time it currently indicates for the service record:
1:42
